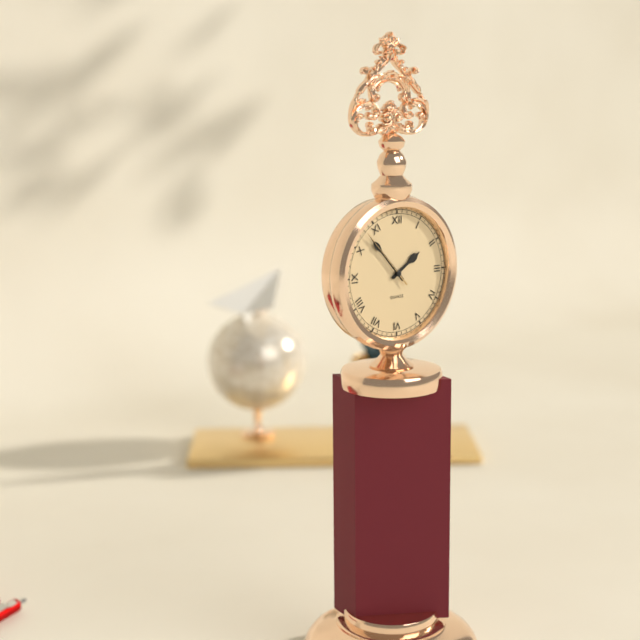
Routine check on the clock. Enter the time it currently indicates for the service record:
1:53:53
